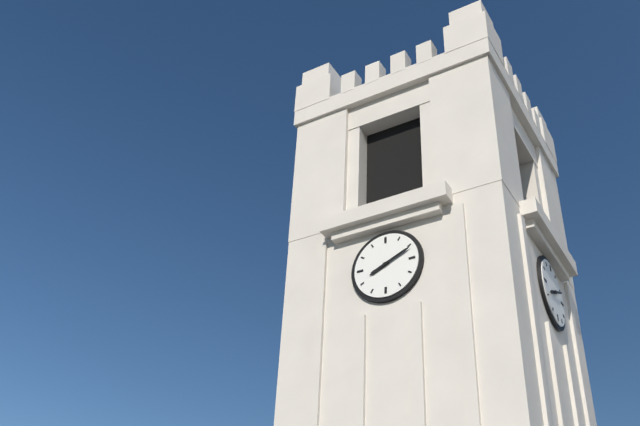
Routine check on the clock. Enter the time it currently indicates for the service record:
8:11
